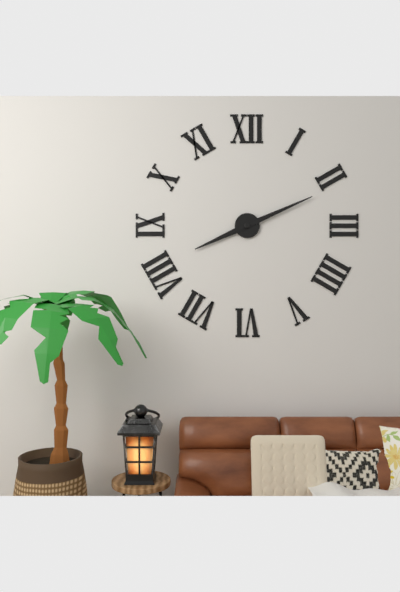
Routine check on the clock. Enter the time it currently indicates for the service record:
8:11
